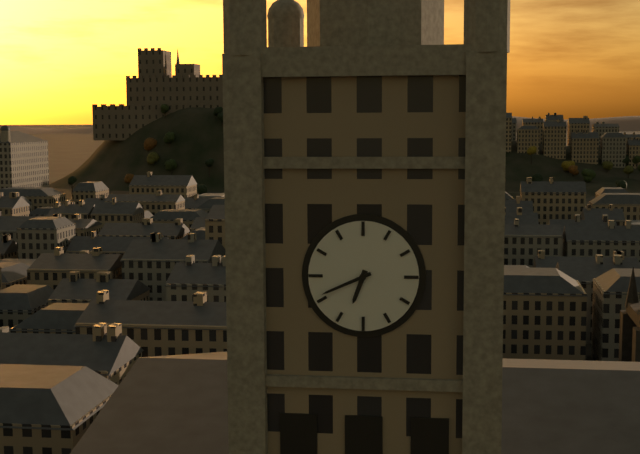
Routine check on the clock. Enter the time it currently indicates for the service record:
6:41
